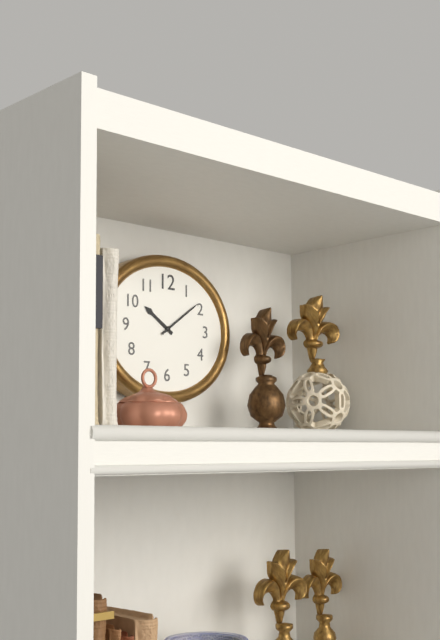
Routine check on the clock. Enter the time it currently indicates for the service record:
10:09
